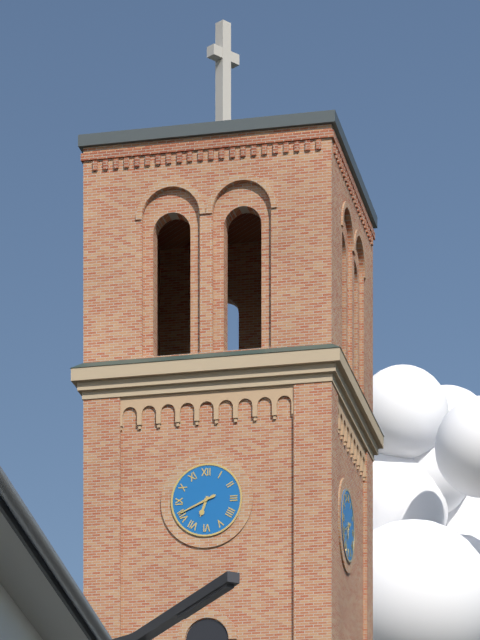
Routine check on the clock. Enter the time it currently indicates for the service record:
6:41
